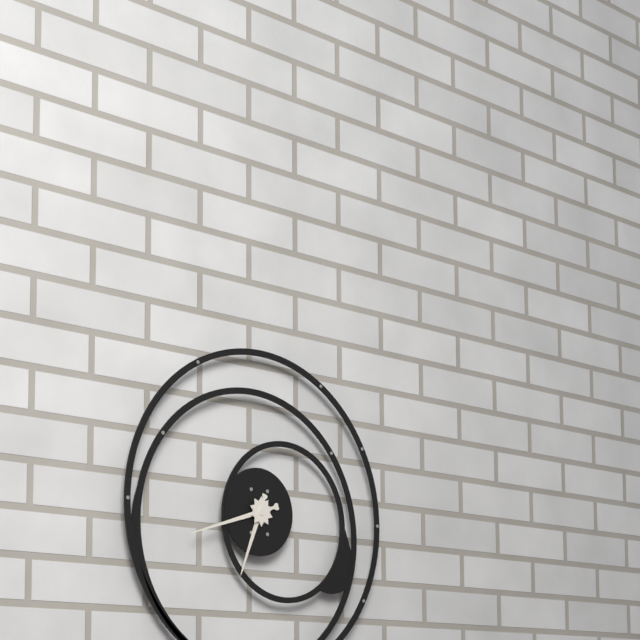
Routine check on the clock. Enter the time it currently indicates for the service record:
6:42
